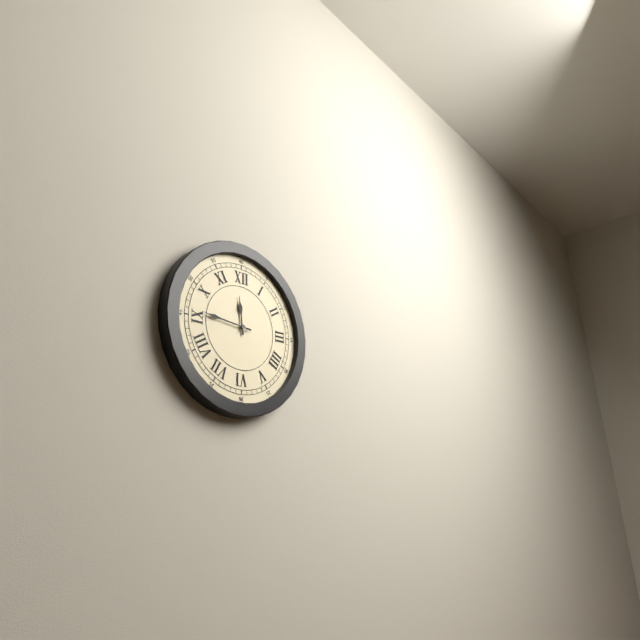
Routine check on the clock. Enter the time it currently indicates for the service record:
11:46
